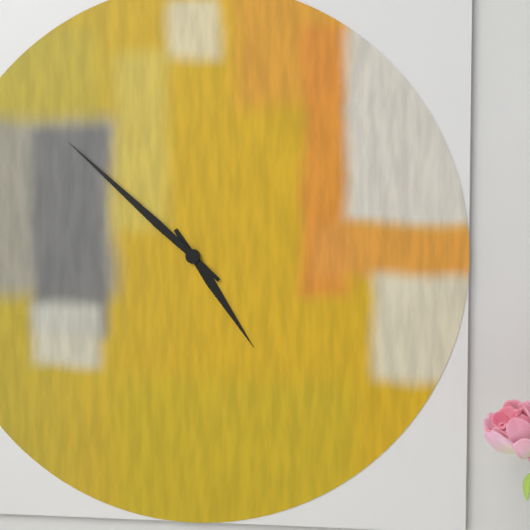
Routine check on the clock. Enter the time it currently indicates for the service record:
4:52
